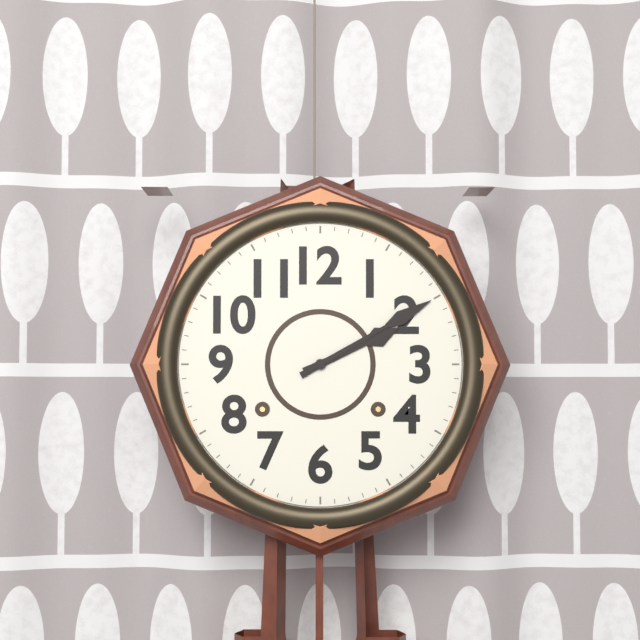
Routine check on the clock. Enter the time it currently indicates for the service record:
2:10
